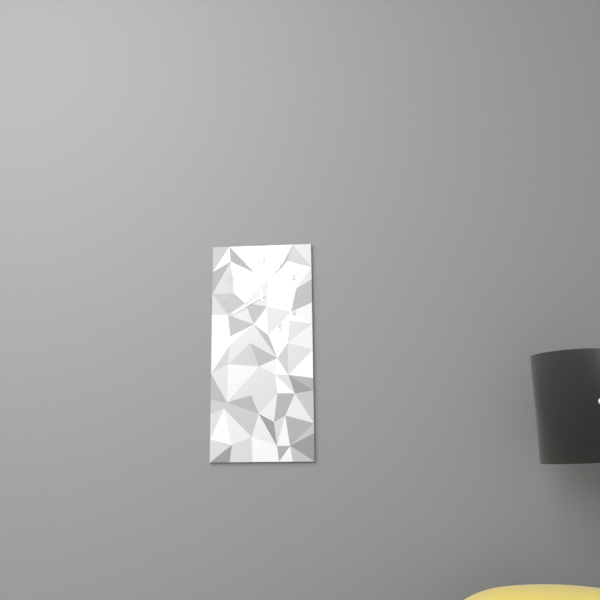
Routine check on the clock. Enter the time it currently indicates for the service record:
11:40
